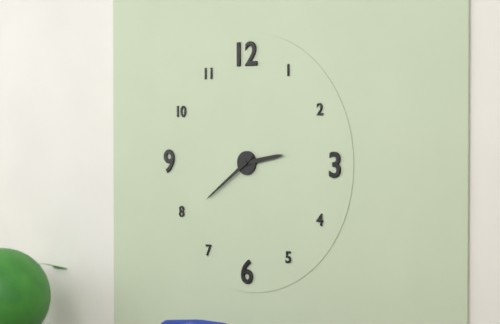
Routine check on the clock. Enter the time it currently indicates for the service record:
2:39
